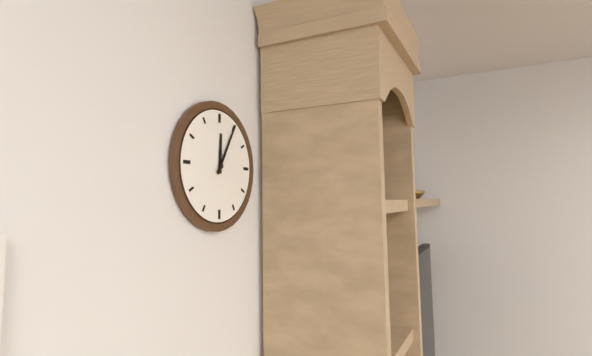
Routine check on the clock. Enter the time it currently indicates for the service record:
12:05
